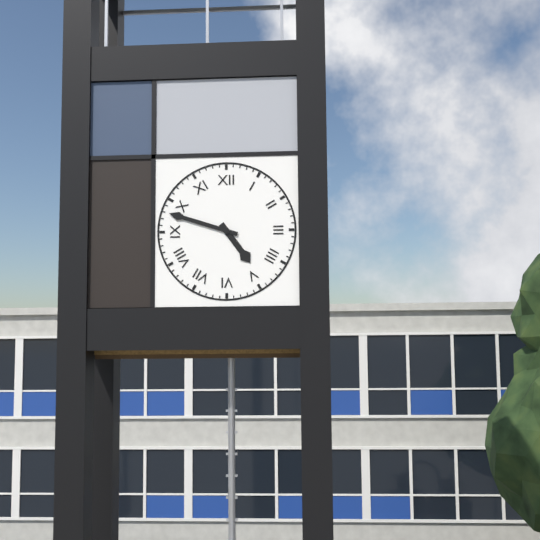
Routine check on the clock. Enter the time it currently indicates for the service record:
4:48
